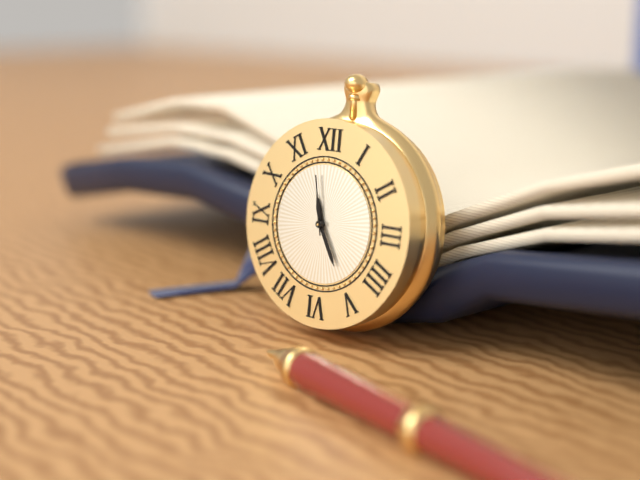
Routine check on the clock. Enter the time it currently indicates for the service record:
11:25:58
